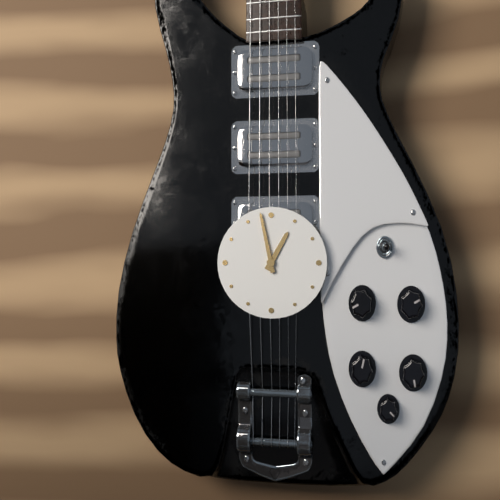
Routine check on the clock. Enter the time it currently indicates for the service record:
12:58
